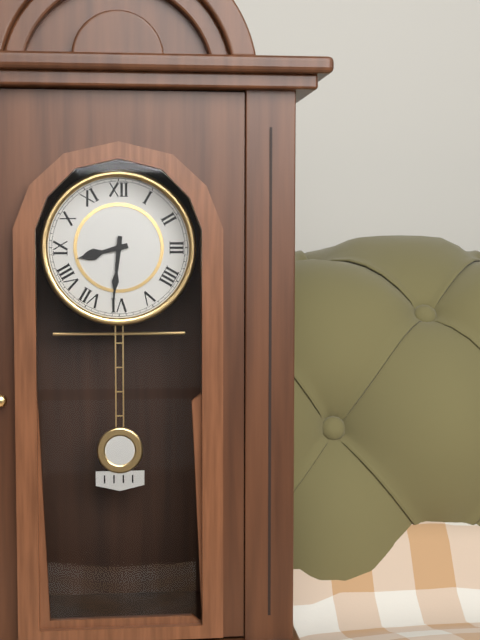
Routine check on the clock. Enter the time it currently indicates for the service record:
8:31
